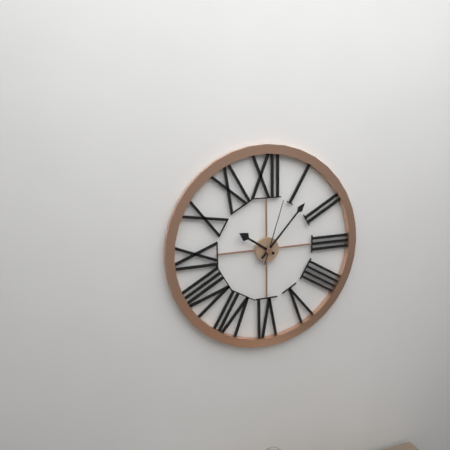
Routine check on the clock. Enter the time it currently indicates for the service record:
10:07:03
